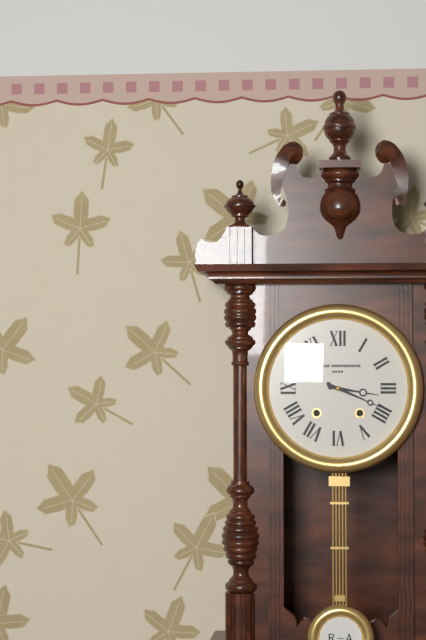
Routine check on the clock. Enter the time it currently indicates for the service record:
3:19
